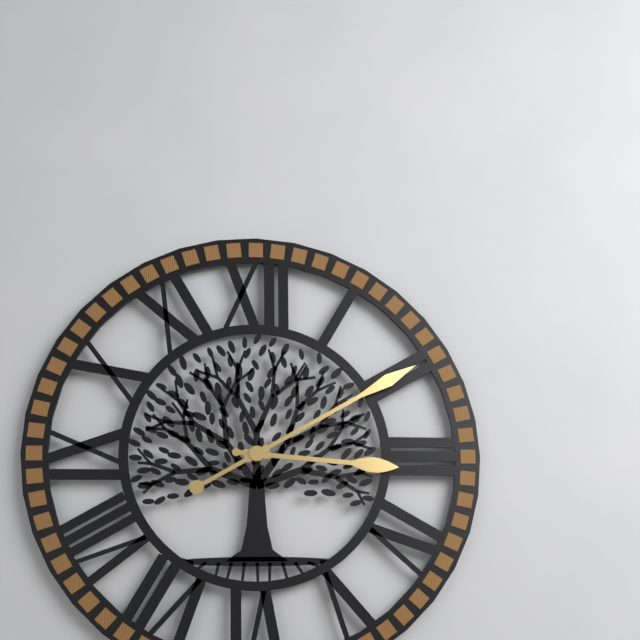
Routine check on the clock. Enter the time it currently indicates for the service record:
3:10
